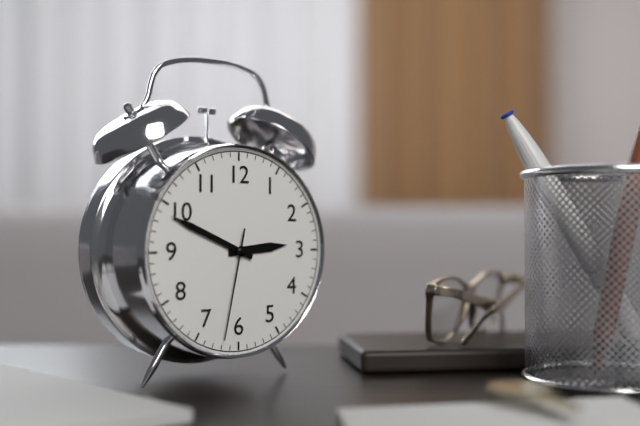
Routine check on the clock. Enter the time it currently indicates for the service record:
2:49:32
